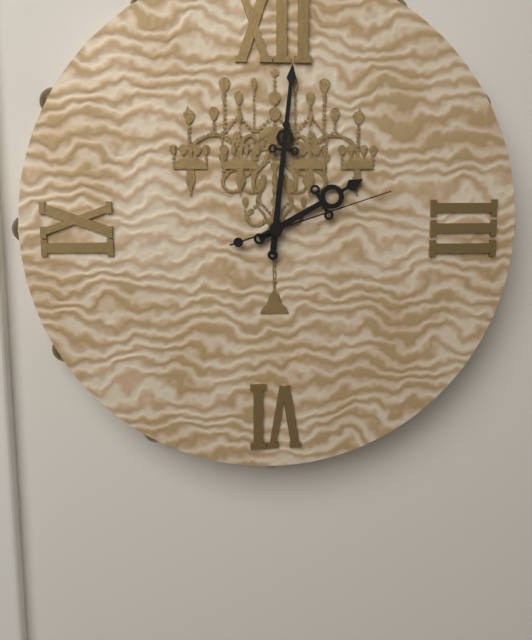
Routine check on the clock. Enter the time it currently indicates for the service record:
2:01:12
